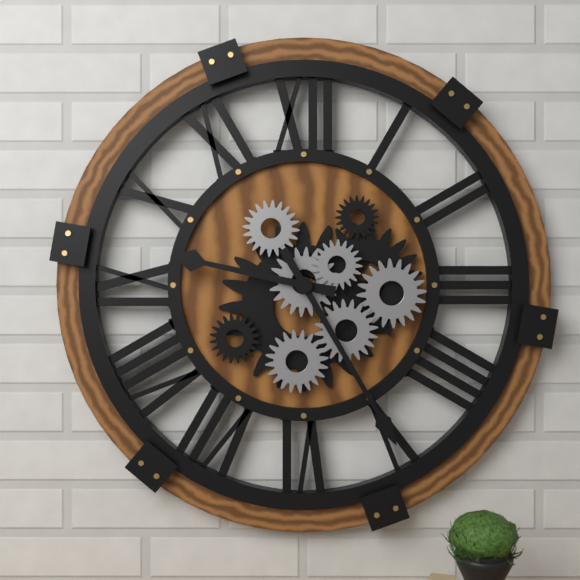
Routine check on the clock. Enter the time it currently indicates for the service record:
9:25
